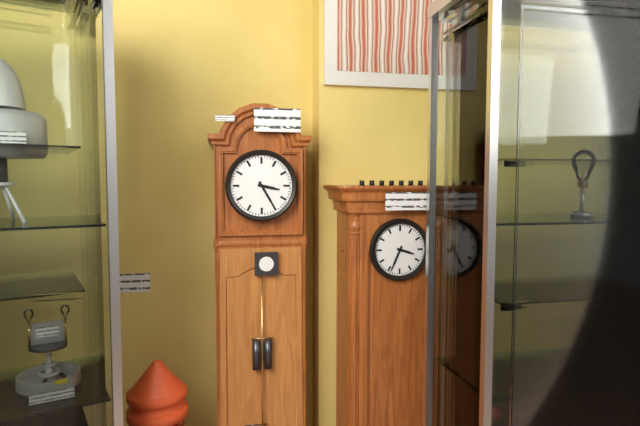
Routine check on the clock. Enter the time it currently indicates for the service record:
3:25
